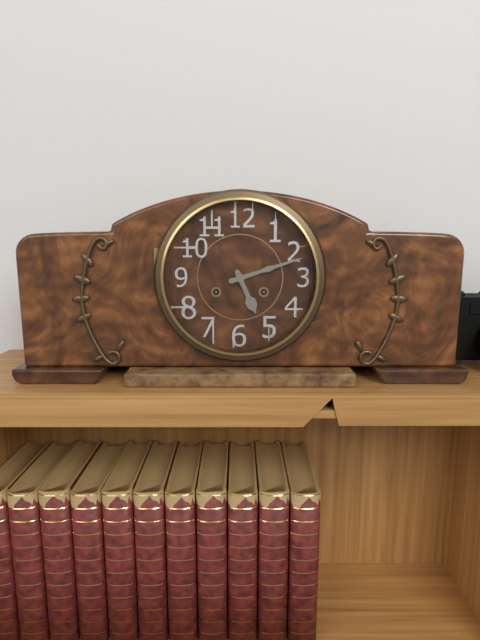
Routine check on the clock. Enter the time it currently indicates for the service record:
5:12
